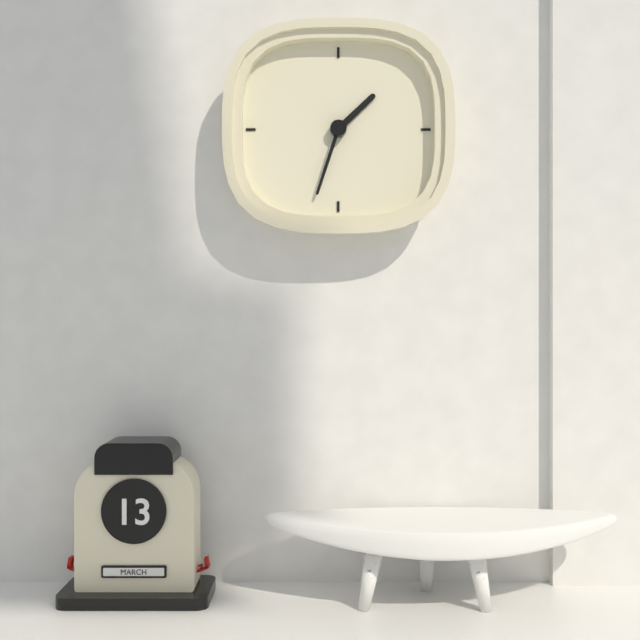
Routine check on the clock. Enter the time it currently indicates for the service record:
1:33
